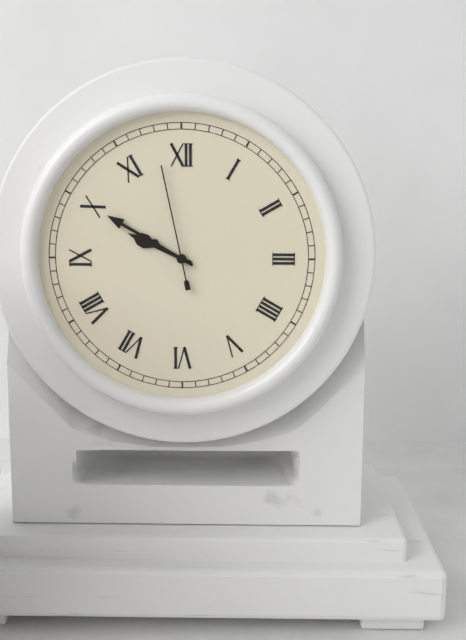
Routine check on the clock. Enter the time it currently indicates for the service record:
9:50:58
